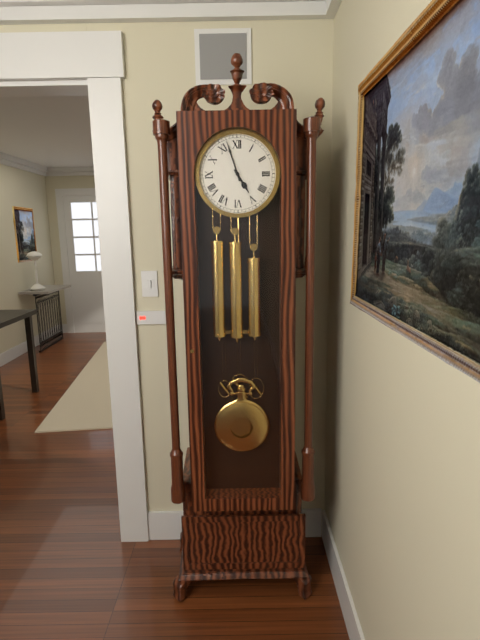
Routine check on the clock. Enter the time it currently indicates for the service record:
4:57
